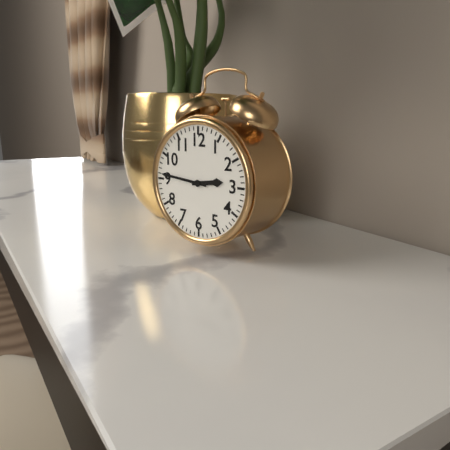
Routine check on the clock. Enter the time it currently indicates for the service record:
2:46
